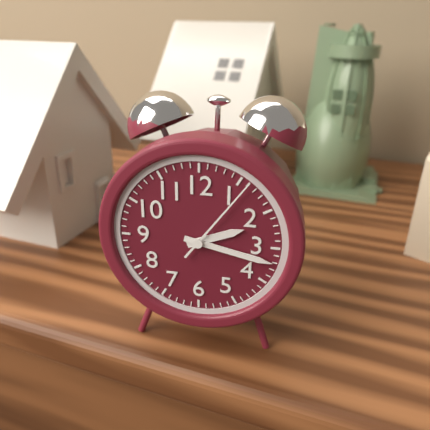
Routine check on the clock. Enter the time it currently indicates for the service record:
2:17:06
